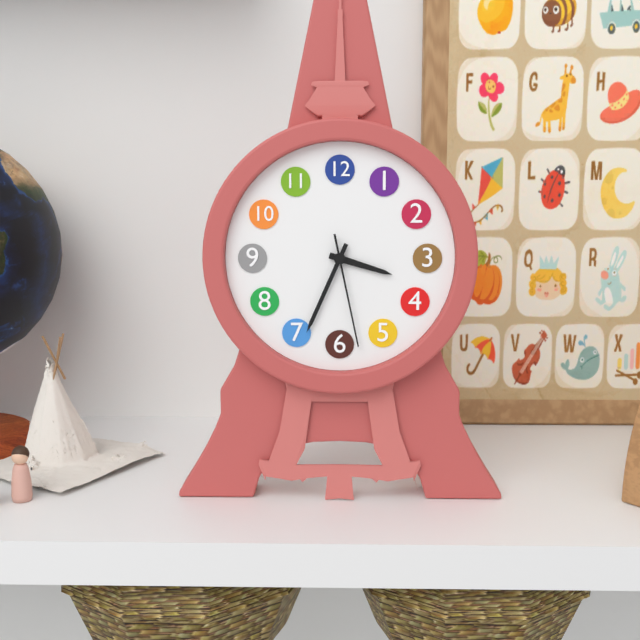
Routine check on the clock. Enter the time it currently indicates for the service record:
3:34:28
